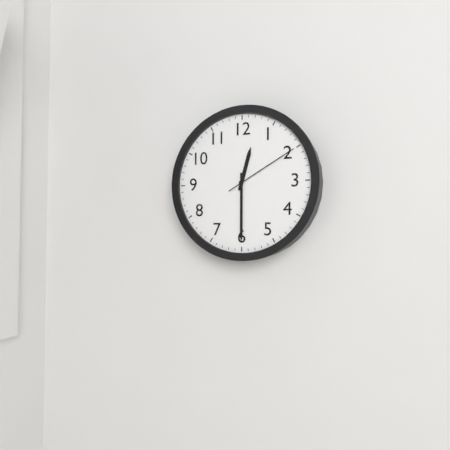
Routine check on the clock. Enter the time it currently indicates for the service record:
12:30:10
